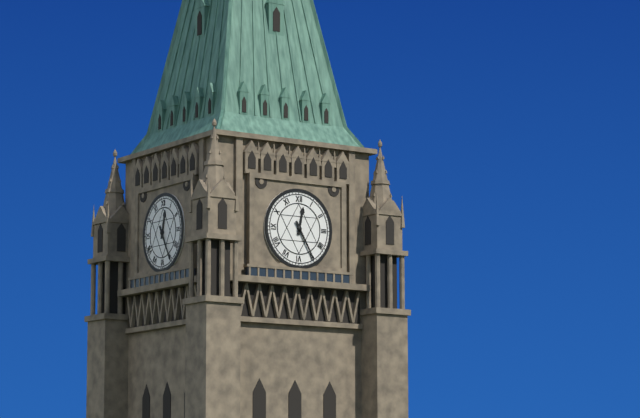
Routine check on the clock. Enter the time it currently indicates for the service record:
12:25
